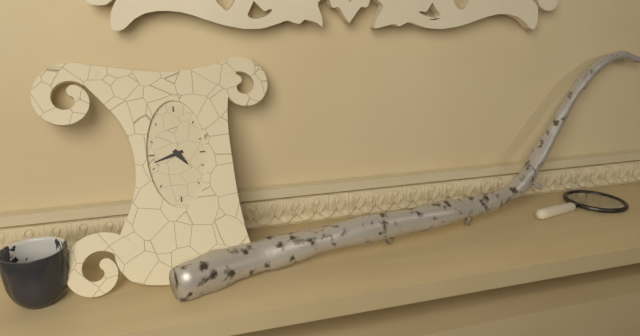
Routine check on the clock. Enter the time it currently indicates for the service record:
4:42
